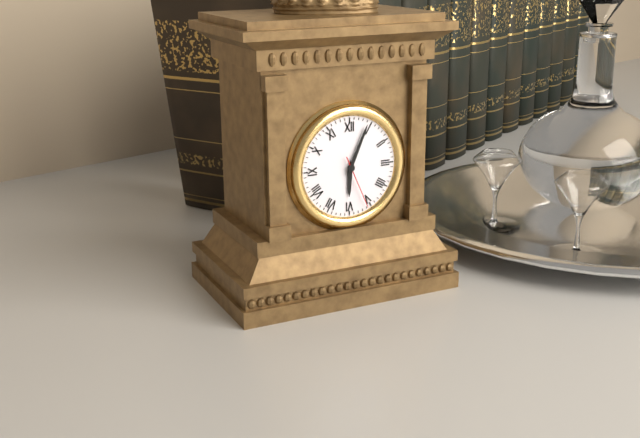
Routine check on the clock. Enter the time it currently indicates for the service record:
6:04:26
